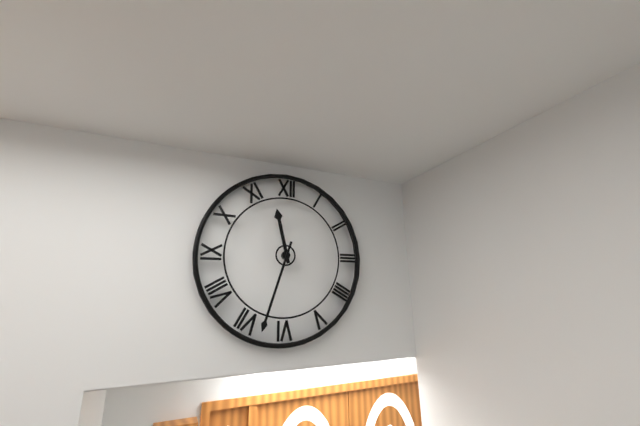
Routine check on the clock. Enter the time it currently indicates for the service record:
11:33
